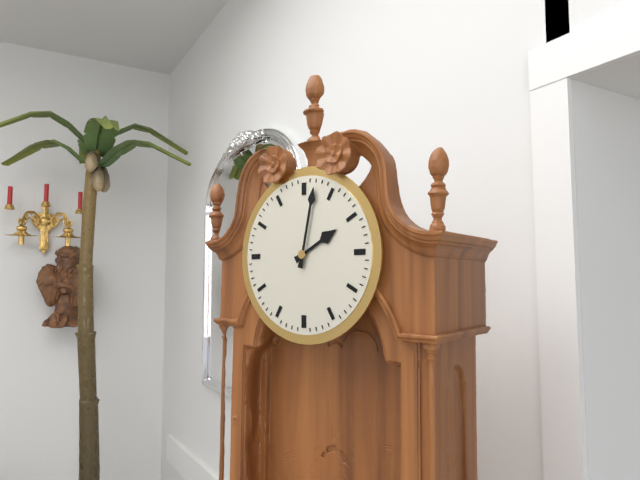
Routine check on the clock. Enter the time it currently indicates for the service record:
2:02
